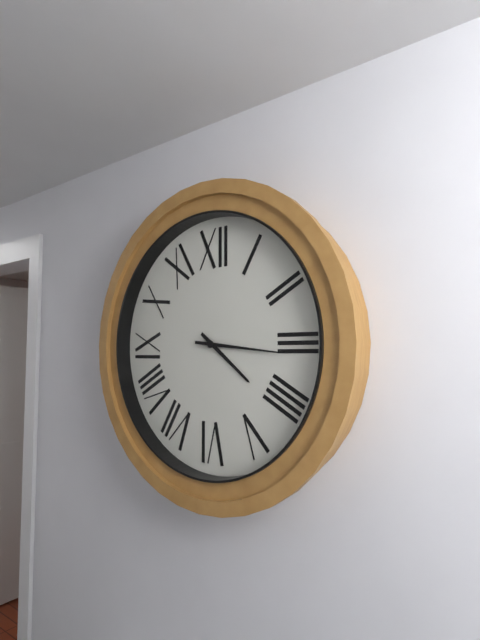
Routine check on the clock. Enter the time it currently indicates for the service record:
4:16
